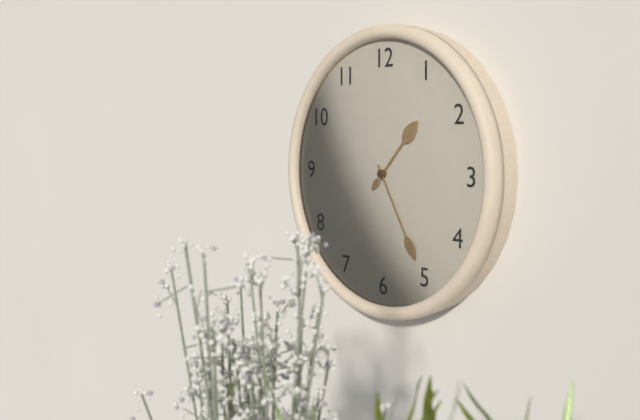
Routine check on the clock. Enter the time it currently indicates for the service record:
1:25
